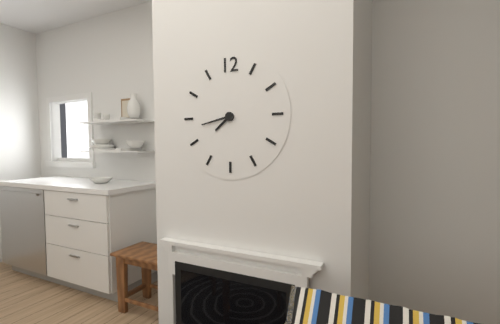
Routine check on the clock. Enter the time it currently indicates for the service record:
7:43
